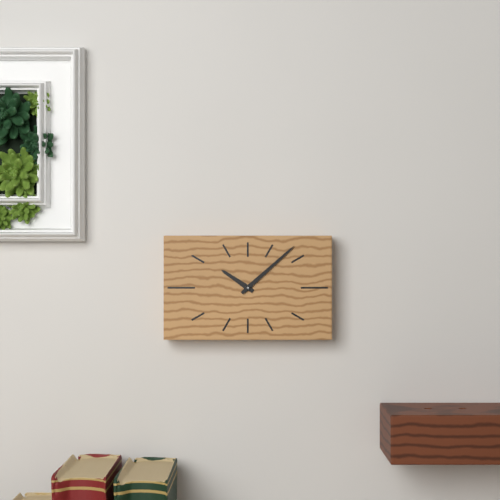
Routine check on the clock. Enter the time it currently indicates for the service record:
10:08
